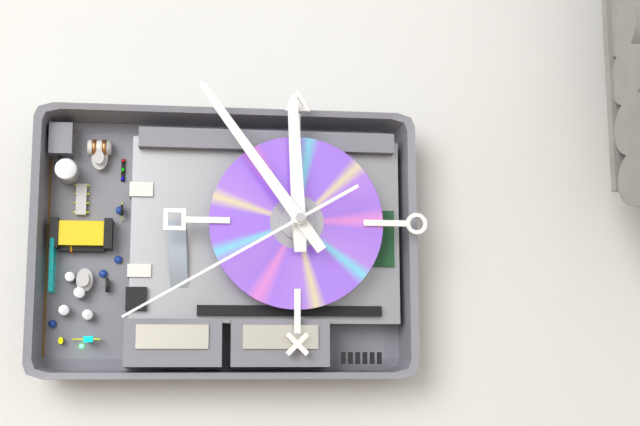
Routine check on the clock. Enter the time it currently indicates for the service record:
11:54:40
